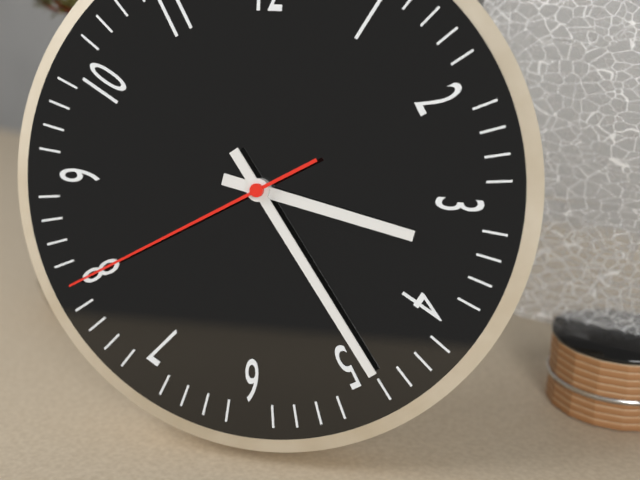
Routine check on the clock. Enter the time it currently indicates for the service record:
3:24:40
